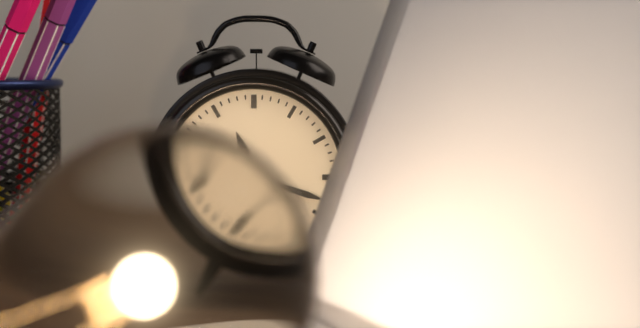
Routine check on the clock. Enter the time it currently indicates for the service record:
11:18
